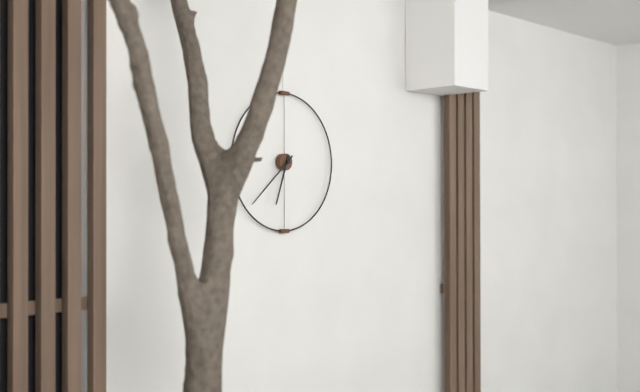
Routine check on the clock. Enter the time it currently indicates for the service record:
6:38
